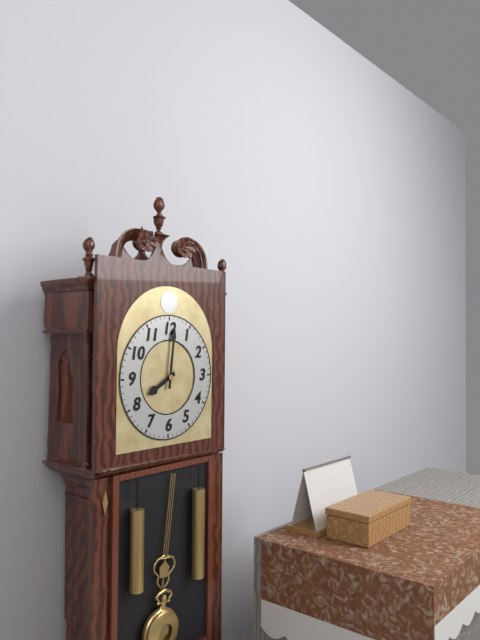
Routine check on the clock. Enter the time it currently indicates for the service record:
8:01
